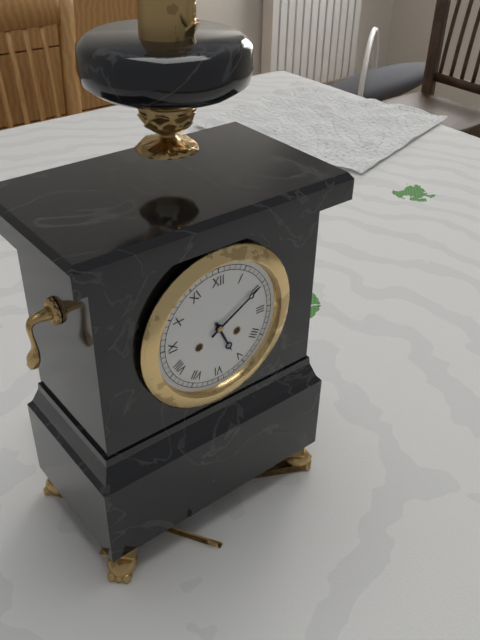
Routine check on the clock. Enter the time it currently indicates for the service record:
5:10
